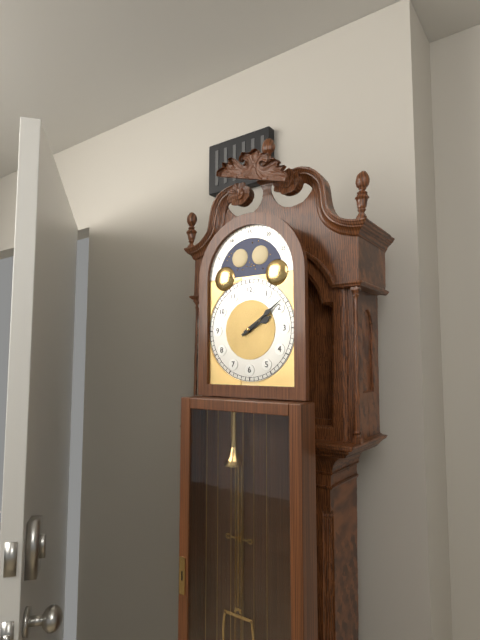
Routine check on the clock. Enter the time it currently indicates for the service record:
2:09
